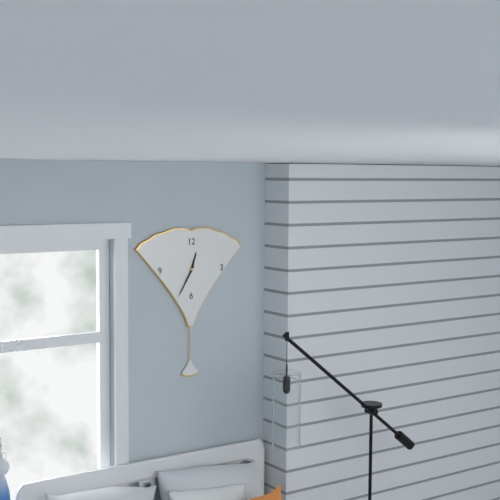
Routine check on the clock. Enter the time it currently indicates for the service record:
12:35
